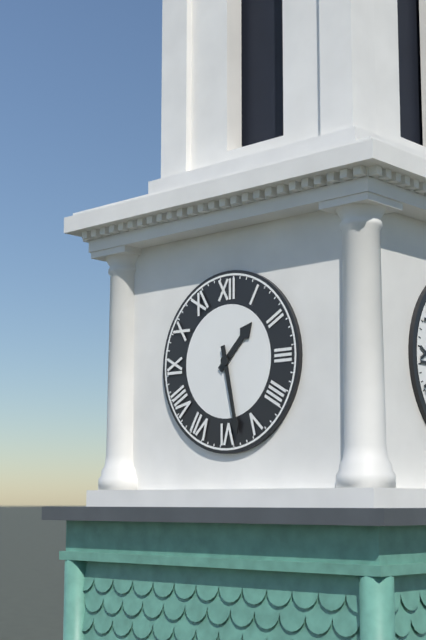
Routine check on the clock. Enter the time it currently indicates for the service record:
1:28
